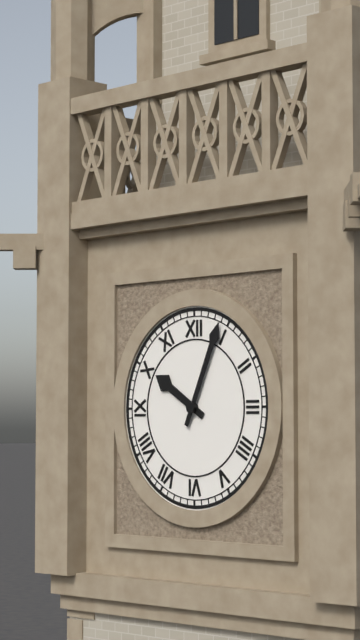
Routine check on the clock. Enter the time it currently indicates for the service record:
10:04
